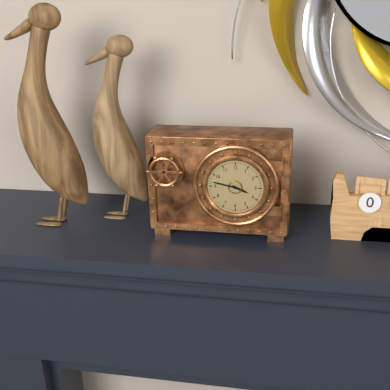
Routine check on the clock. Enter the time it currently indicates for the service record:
3:47
